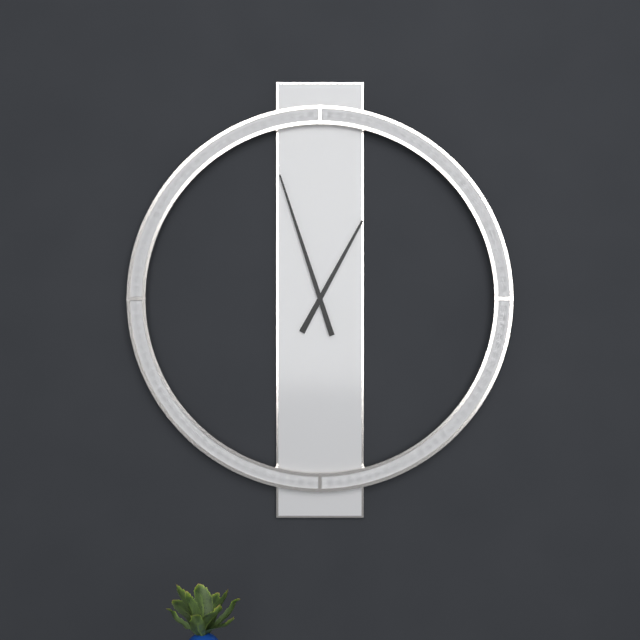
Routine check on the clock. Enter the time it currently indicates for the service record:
12:57
